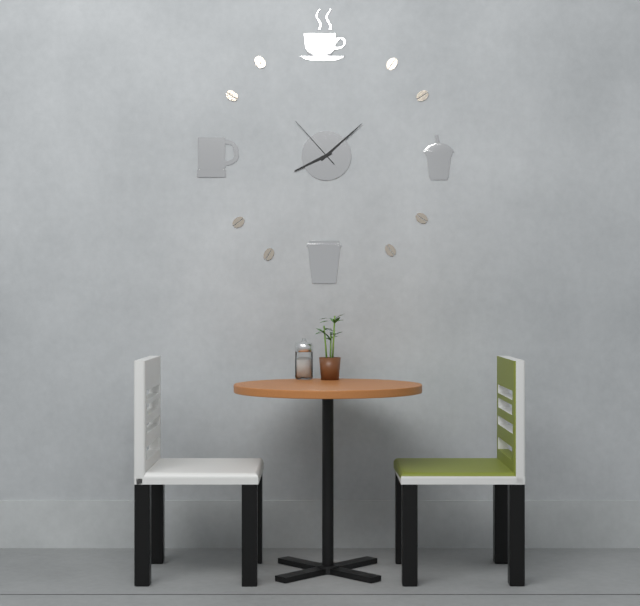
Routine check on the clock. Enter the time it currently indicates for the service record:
8:08:53
